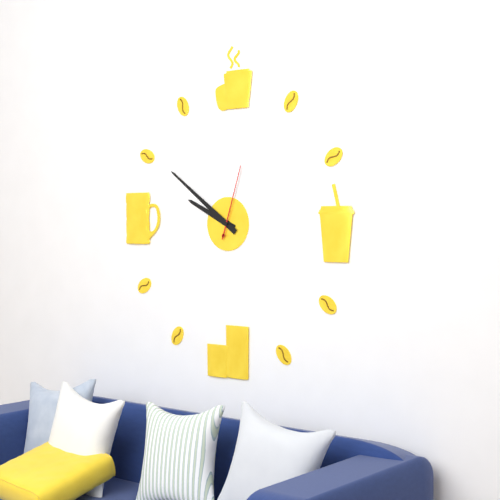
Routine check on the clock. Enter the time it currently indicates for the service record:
9:51:03
